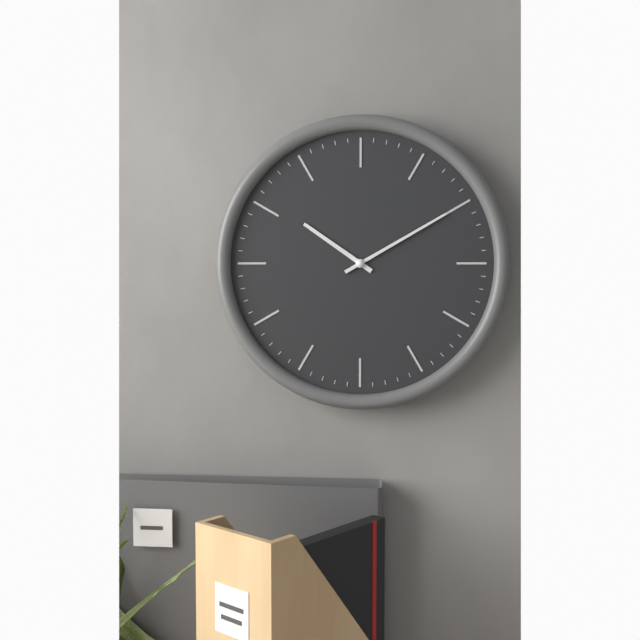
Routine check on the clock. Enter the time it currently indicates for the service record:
10:10
